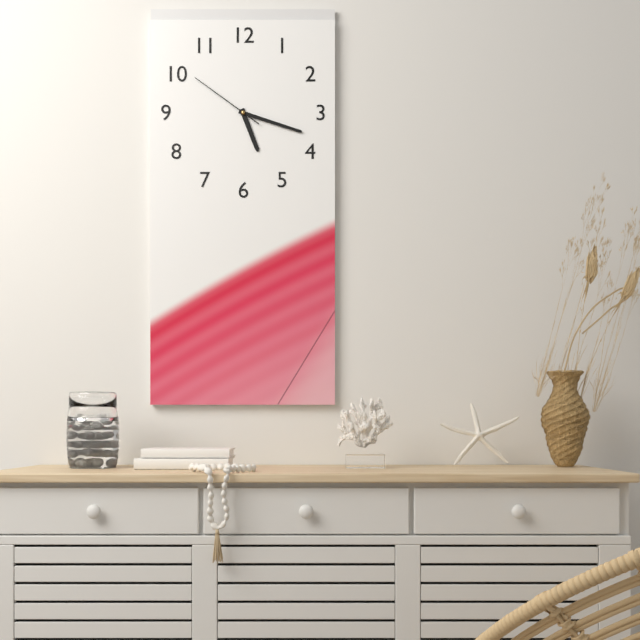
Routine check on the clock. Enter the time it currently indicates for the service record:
5:18:51
